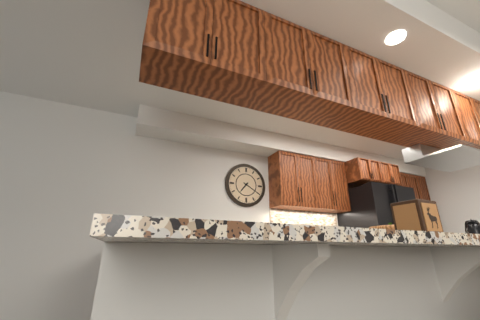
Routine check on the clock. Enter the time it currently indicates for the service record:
7:20
